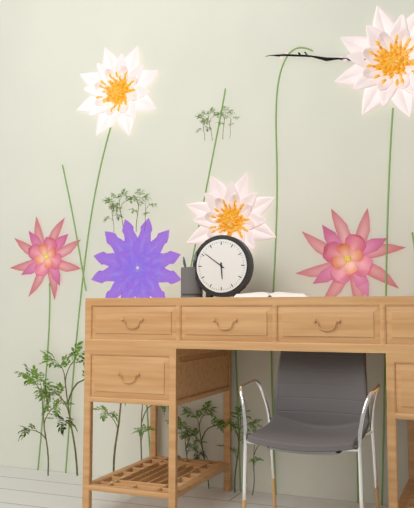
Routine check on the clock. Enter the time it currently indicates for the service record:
5:51
